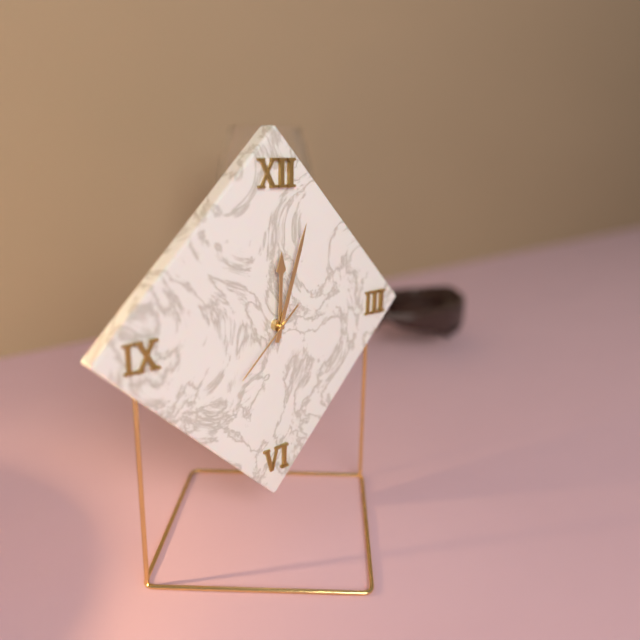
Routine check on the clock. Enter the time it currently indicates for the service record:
12:03:38
